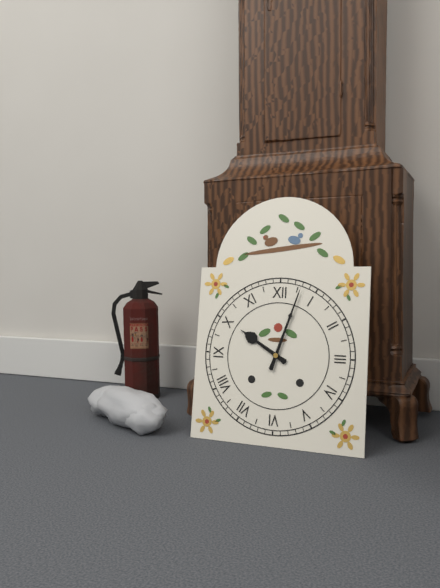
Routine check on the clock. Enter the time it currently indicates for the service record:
10:03
